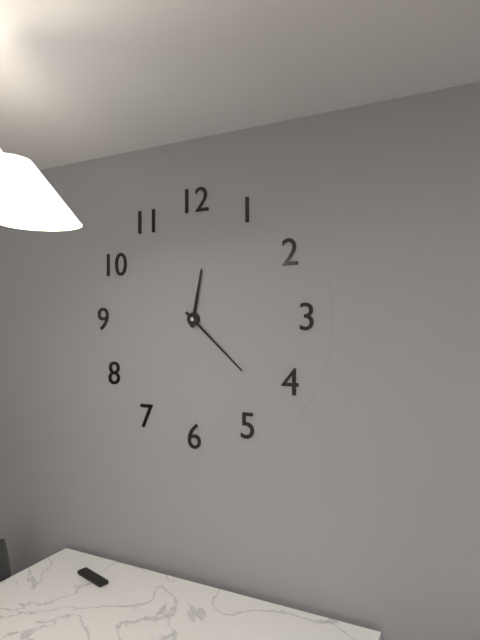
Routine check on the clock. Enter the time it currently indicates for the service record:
12:22
